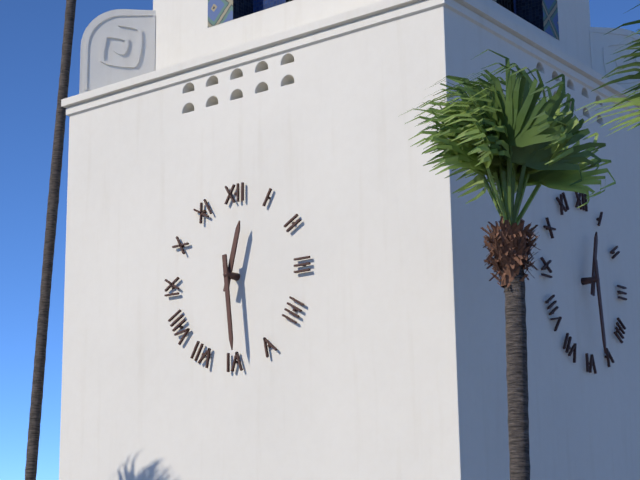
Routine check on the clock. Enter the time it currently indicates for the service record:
12:29
